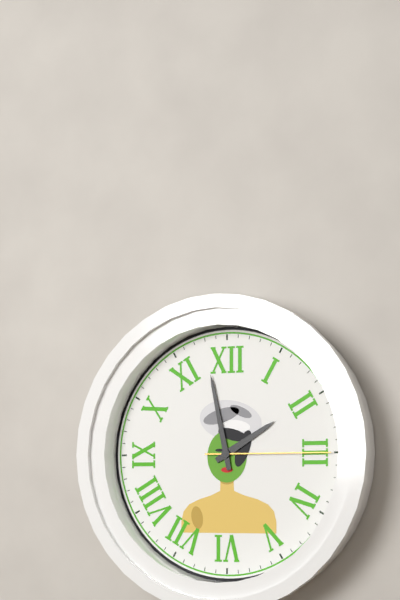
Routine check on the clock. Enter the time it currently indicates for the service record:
1:58:15
